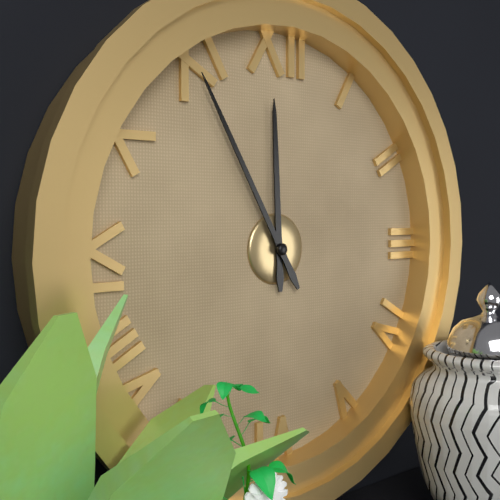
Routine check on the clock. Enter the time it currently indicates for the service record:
11:55
